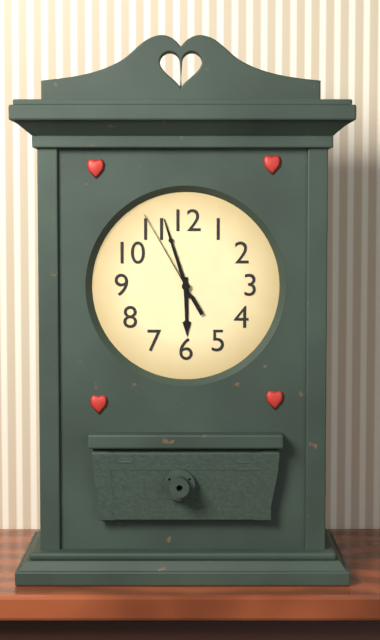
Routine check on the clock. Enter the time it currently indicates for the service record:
5:57:55
